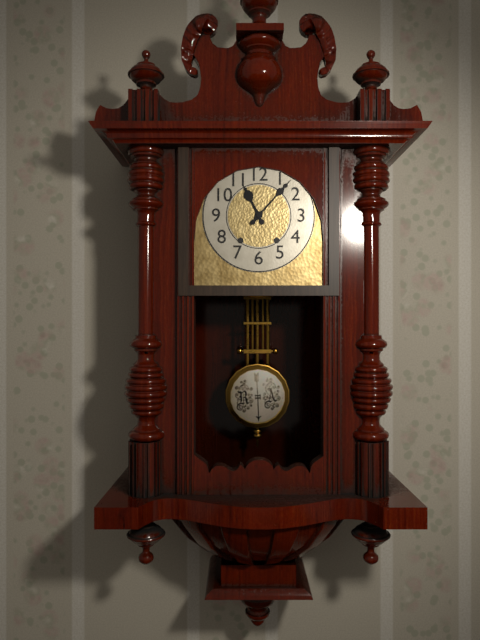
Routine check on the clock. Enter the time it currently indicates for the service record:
11:07
